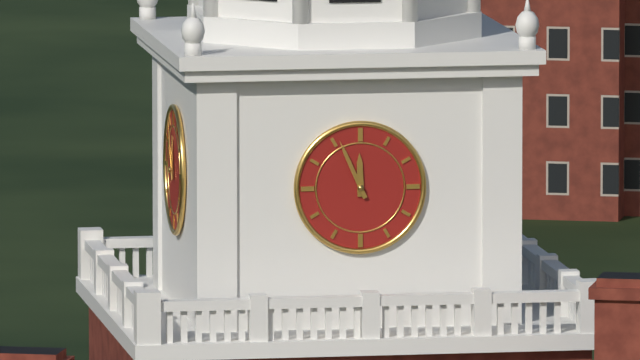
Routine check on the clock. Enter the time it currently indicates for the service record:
11:56
